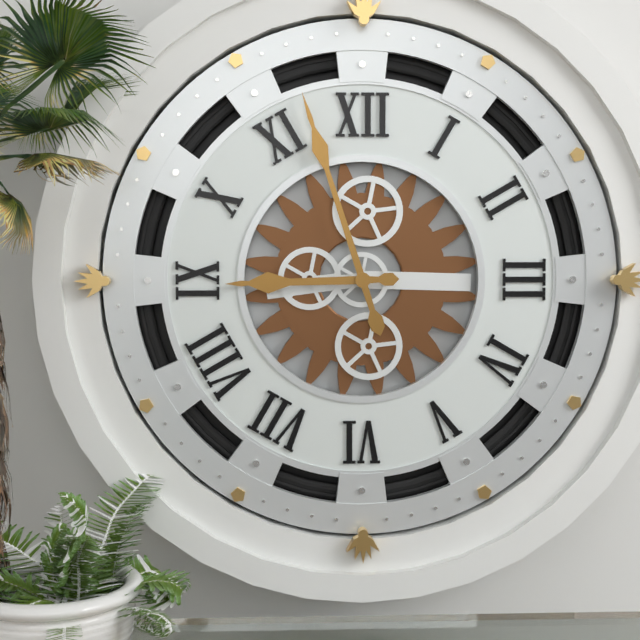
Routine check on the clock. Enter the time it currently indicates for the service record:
8:57
